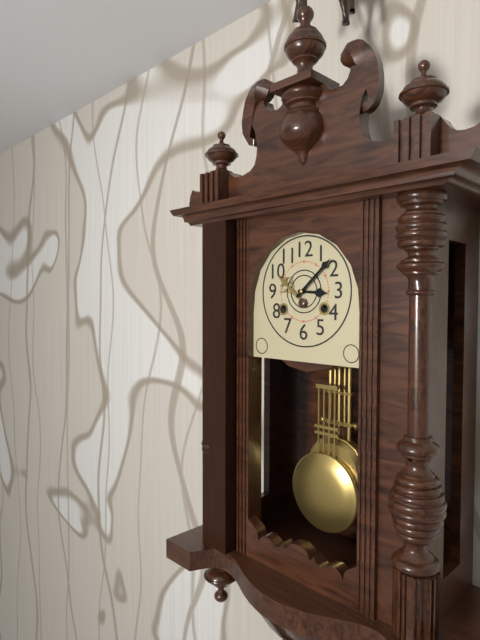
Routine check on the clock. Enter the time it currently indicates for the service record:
3:08
